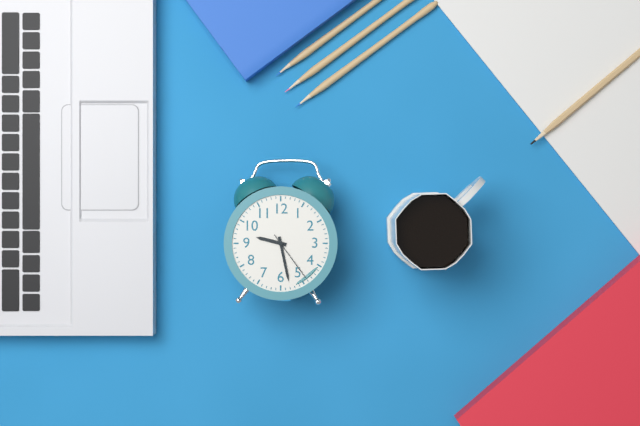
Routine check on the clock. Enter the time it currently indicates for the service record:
9:28:24
